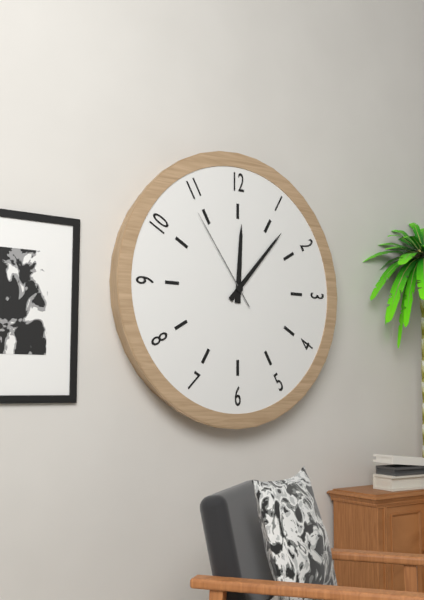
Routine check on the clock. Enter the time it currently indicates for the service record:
12:07:54
